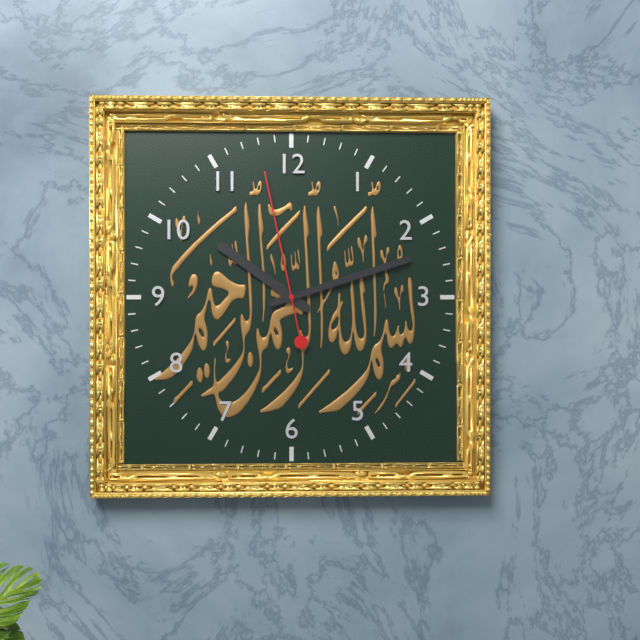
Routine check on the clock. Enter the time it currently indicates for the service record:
10:12:58
